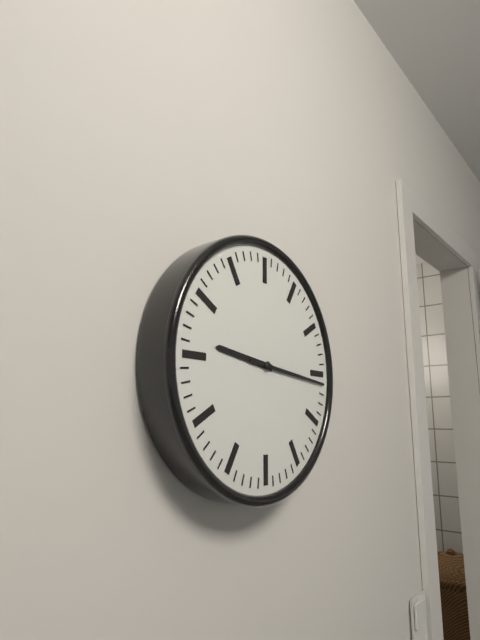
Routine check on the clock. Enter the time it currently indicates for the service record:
9:16
